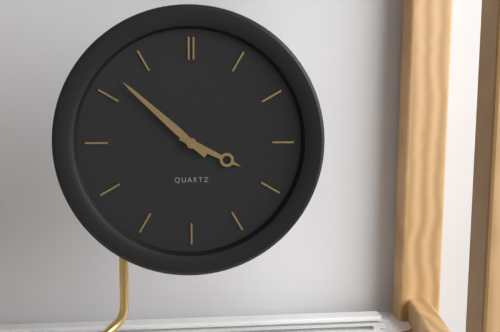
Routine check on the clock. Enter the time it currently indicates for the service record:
3:52
